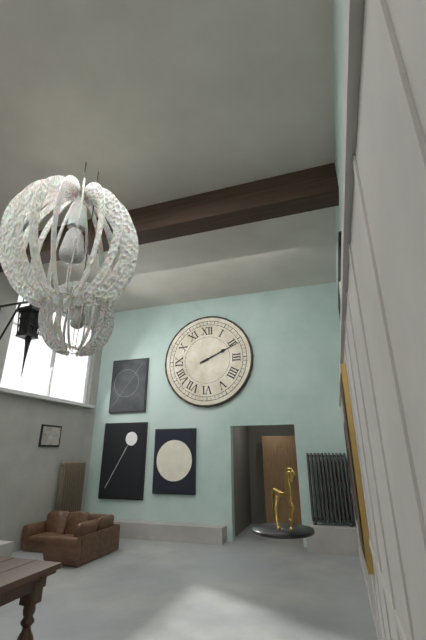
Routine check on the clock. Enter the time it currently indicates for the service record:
2:11
